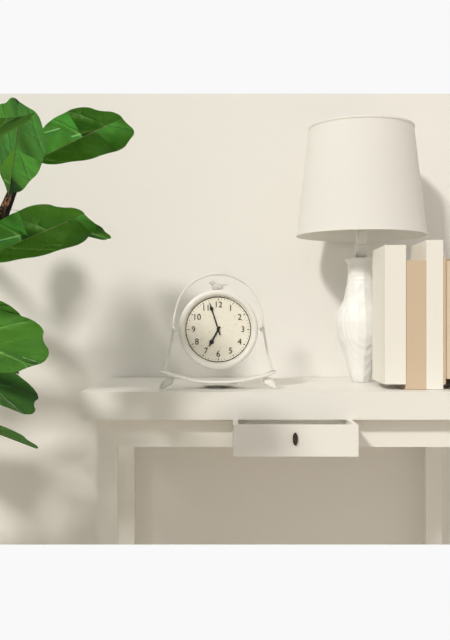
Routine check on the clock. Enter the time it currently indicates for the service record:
6:57
